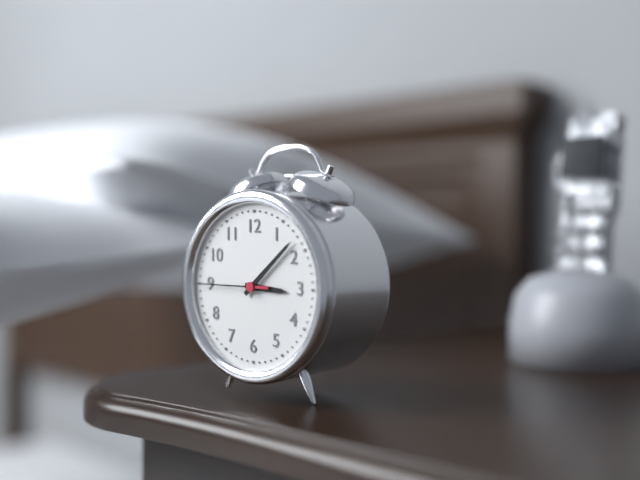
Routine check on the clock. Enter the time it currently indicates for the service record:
3:08:45
